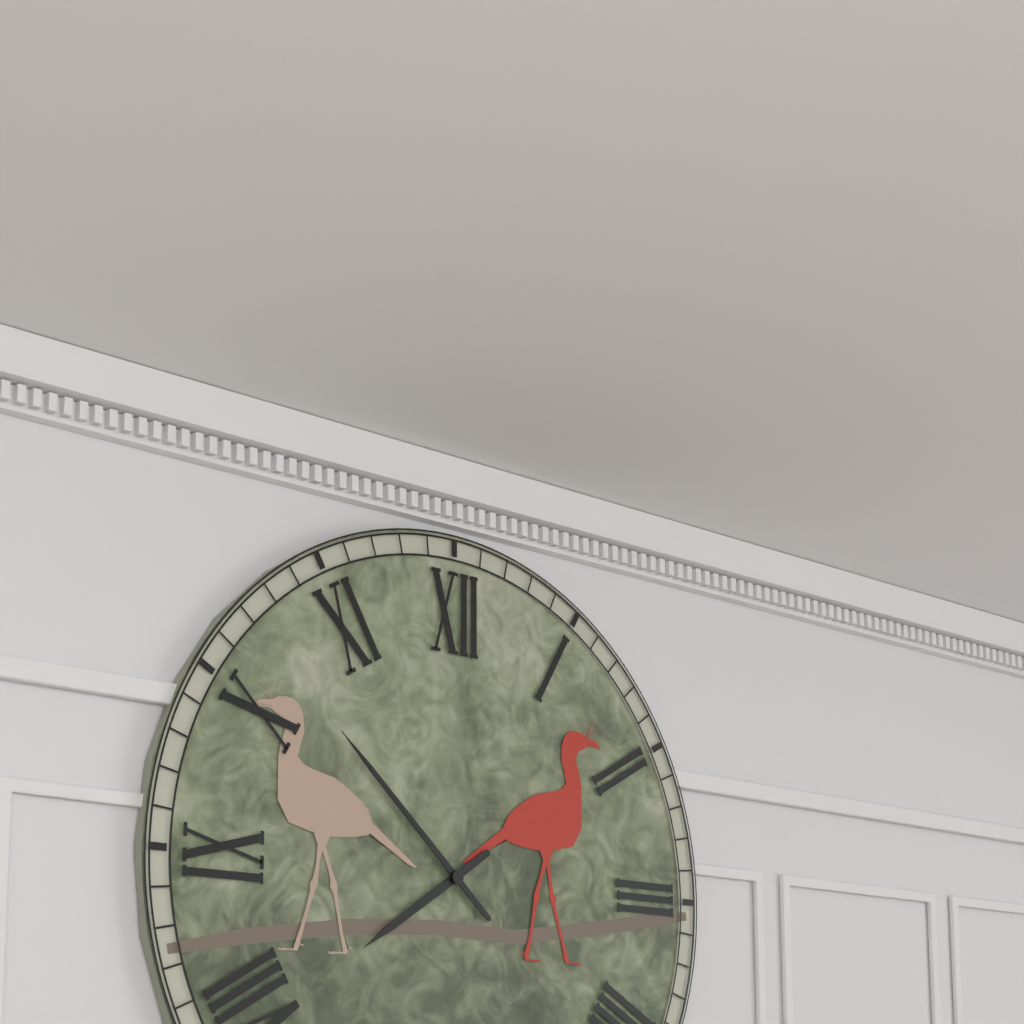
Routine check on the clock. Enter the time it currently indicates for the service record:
7:52
